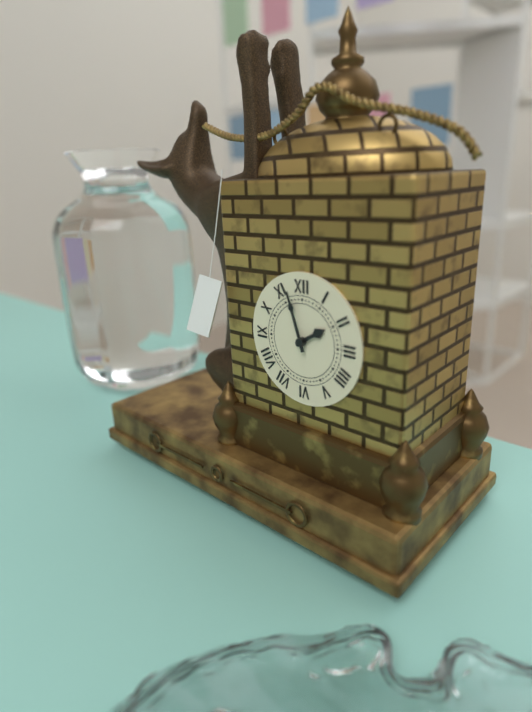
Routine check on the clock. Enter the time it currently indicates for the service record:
1:57
